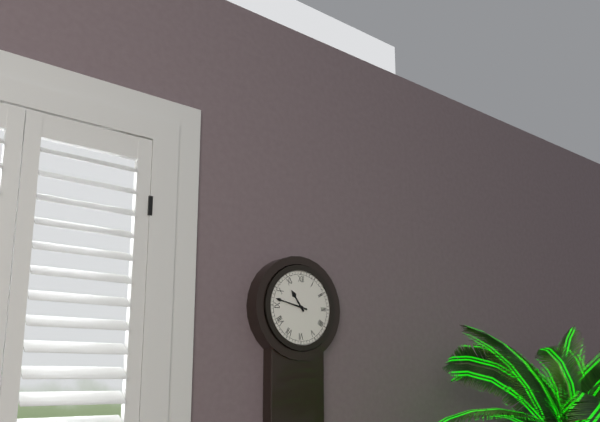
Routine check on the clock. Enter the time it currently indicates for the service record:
10:47
